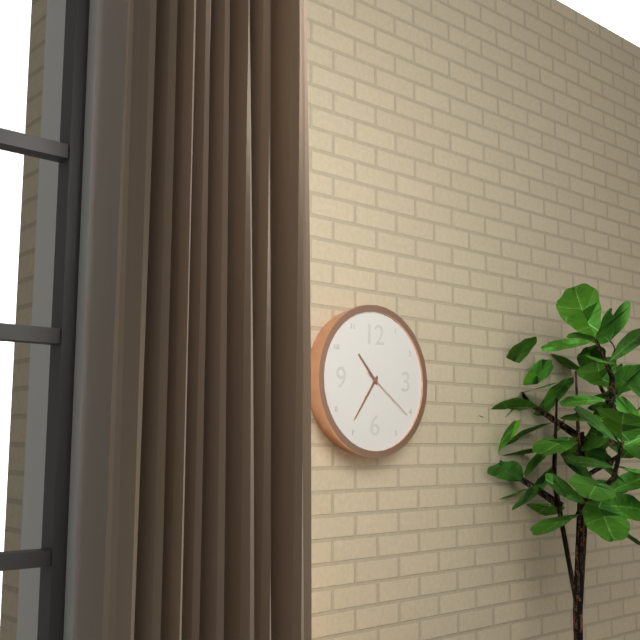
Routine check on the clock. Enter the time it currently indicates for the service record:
10:36:21
